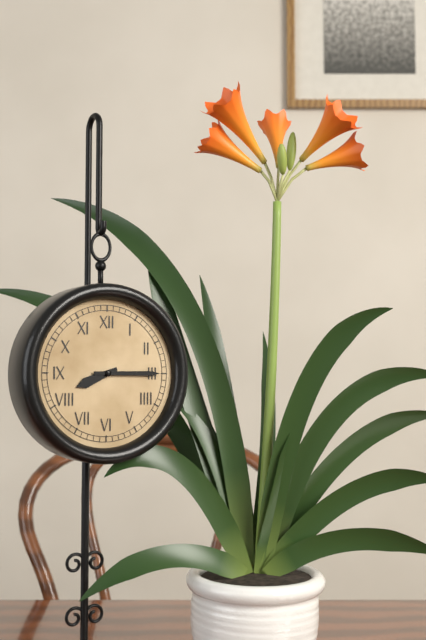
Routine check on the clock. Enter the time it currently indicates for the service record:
8:15
